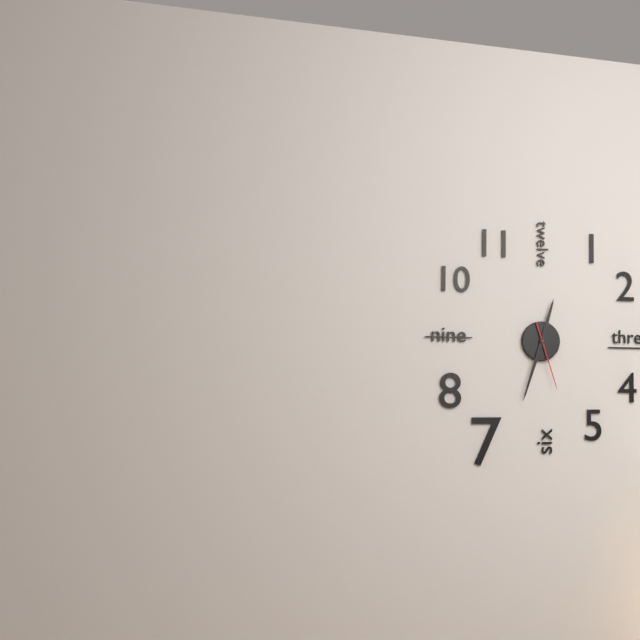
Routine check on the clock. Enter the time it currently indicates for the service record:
12:33:27
